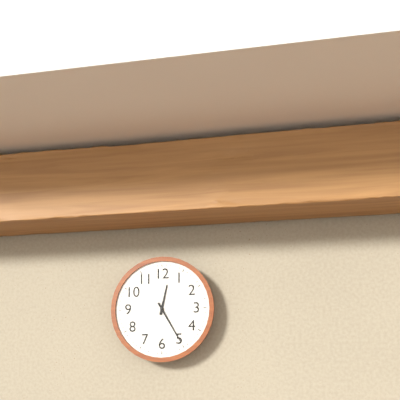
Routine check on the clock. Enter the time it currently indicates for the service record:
12:25
